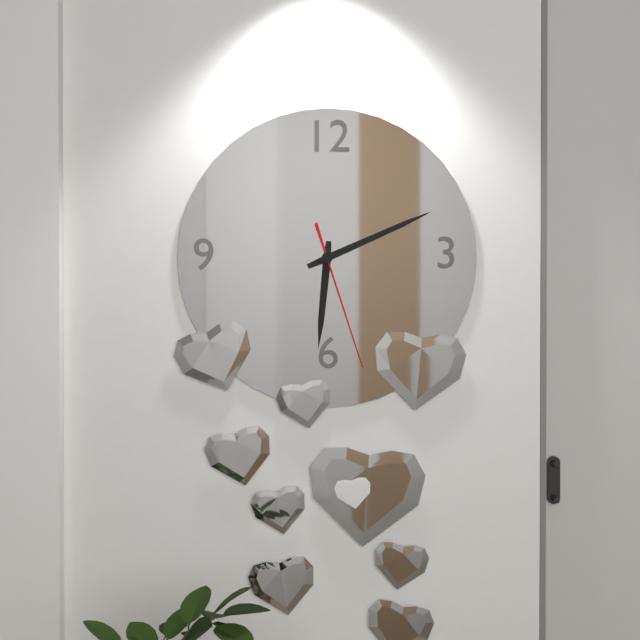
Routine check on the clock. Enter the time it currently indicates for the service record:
6:11:27
